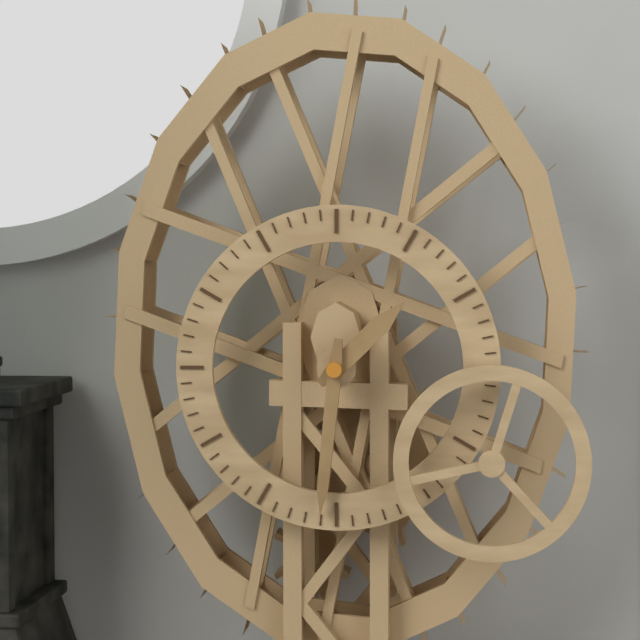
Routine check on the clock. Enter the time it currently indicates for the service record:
1:31
